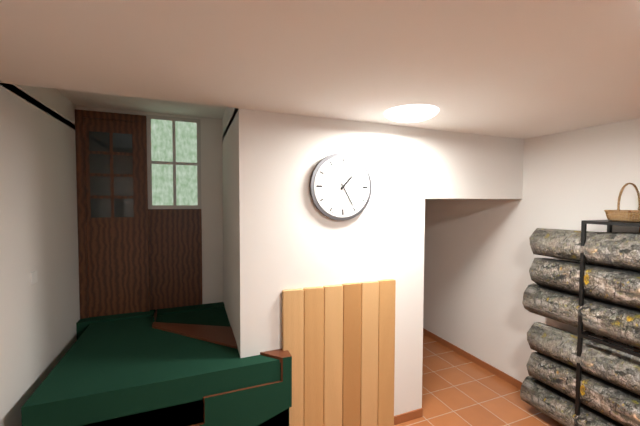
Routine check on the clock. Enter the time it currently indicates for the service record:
1:25
